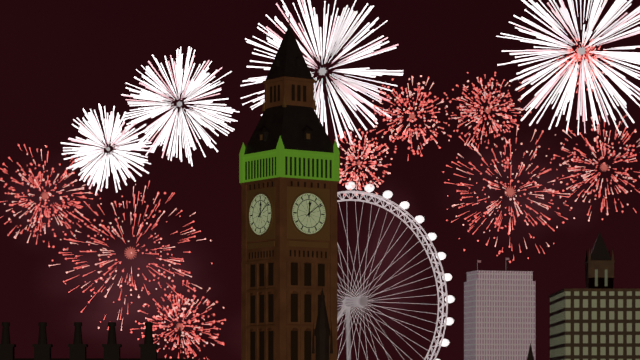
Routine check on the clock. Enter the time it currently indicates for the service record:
12:09
